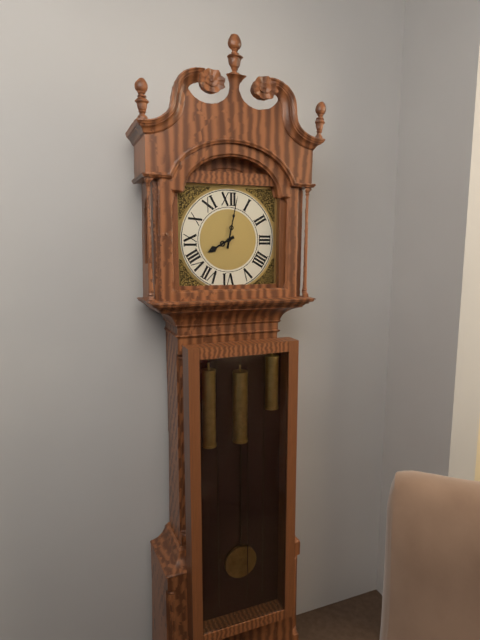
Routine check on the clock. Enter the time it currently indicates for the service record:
8:02
